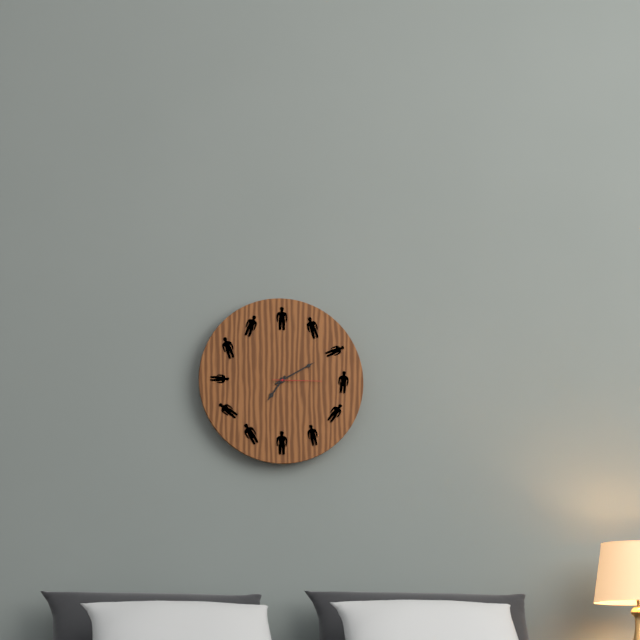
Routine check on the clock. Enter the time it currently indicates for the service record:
7:10:15
